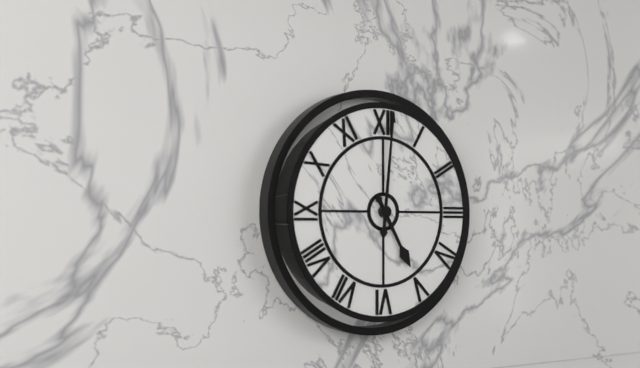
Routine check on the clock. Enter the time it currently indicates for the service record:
5:01
